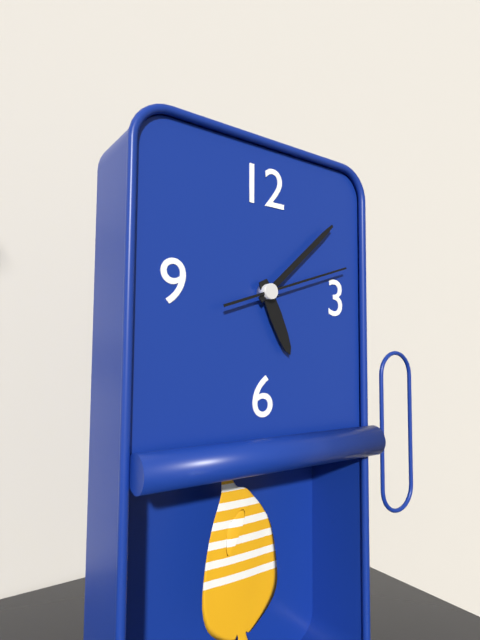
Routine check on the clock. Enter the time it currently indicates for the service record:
5:08:12
